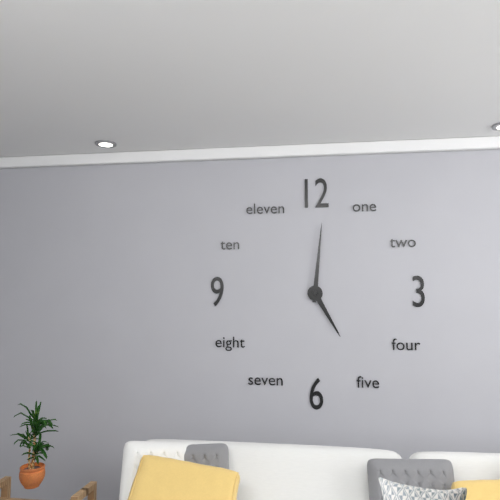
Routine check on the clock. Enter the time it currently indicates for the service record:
5:01
